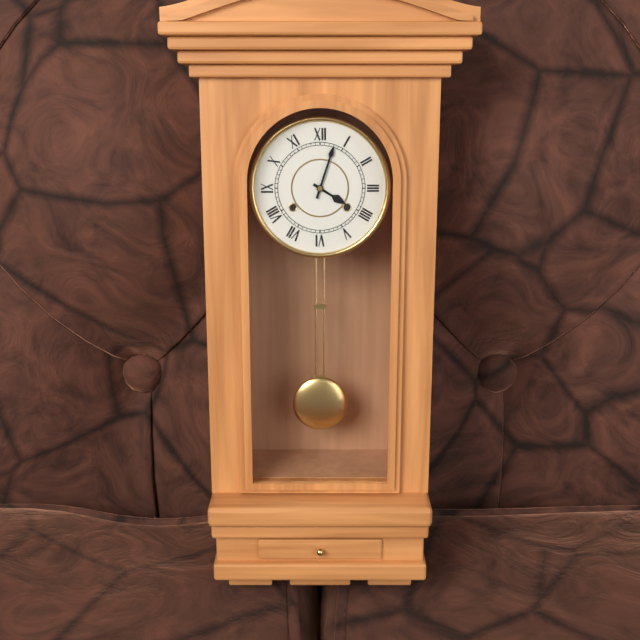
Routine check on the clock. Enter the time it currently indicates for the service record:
4:03
